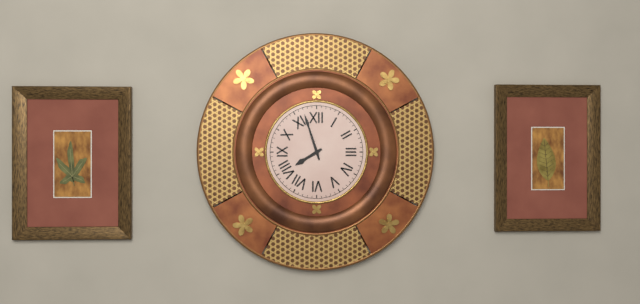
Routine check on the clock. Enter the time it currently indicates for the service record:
7:57
